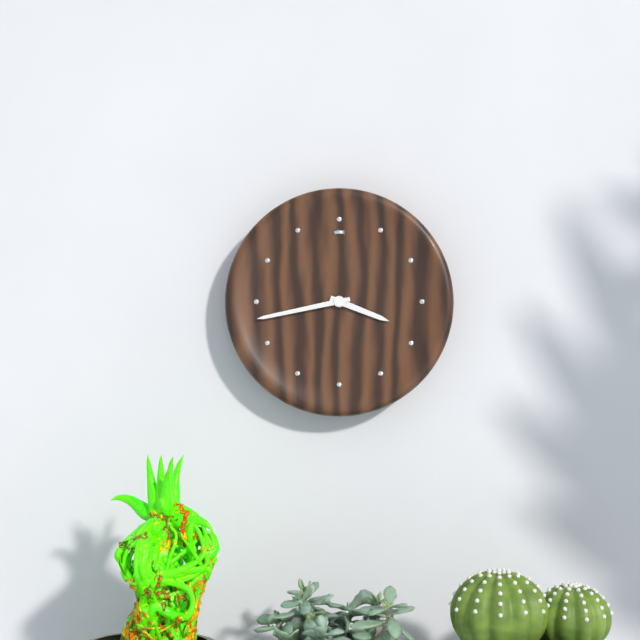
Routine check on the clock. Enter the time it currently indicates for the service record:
3:43
